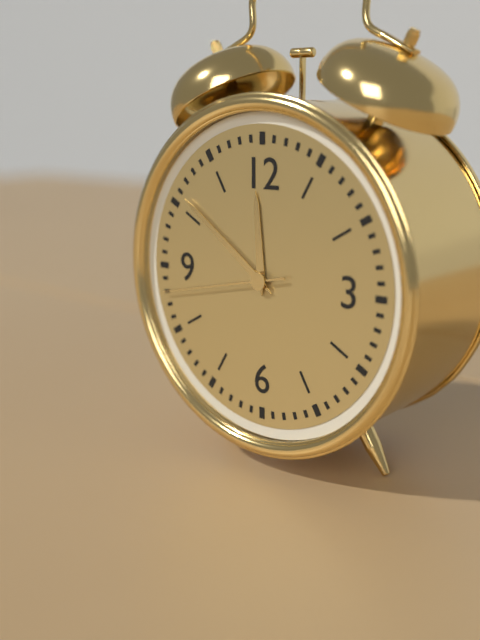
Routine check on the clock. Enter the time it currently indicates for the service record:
11:51:43
